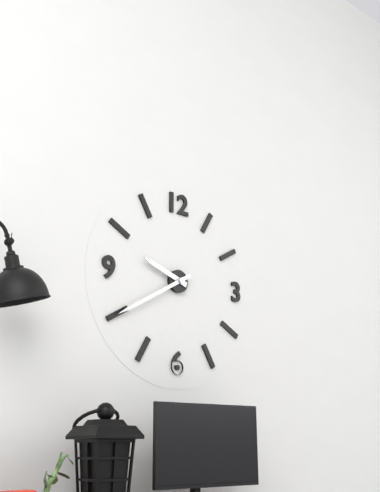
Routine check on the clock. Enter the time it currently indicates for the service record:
9:40
